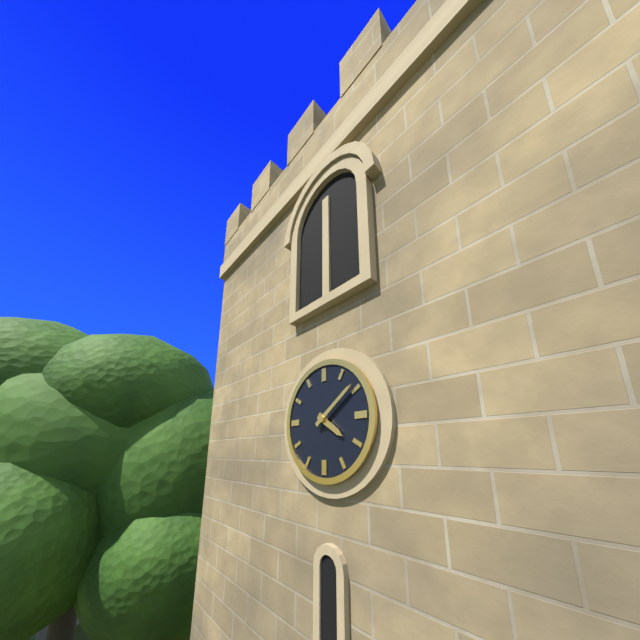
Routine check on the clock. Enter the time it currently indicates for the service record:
4:09
